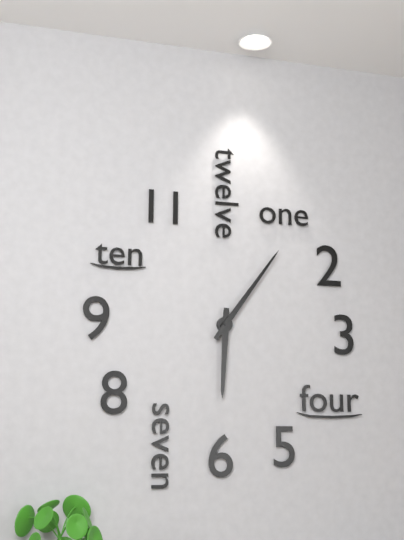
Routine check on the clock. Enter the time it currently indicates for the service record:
6:06
